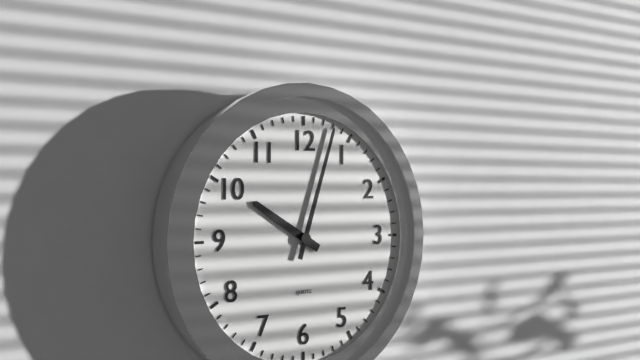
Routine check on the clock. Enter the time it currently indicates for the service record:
10:03
